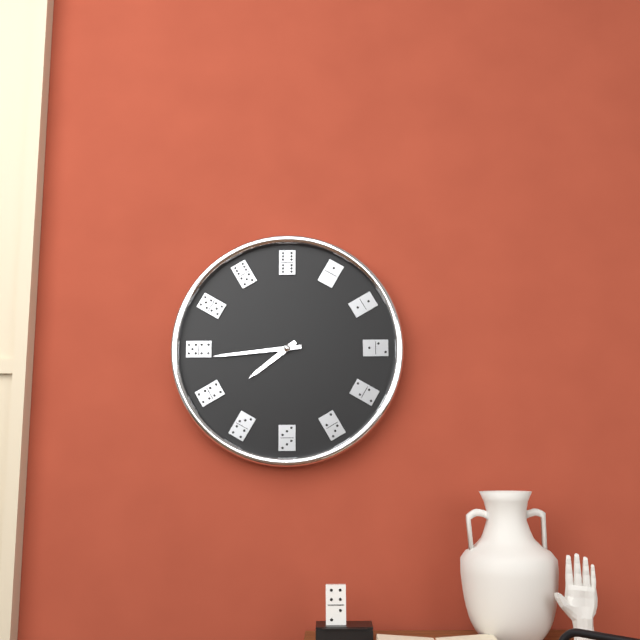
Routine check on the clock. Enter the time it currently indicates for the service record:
7:44
